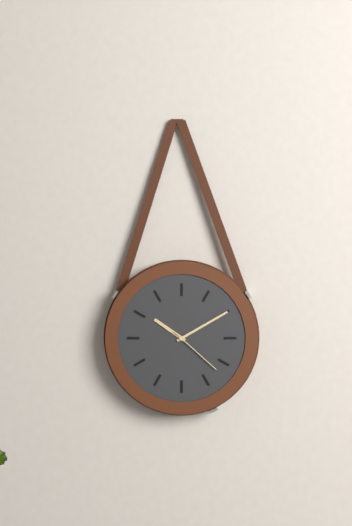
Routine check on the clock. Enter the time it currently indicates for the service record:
10:10:22
